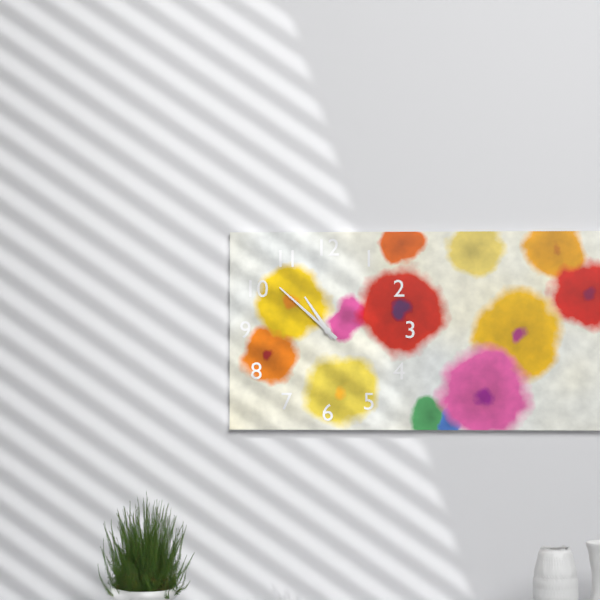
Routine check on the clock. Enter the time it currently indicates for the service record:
10:52
